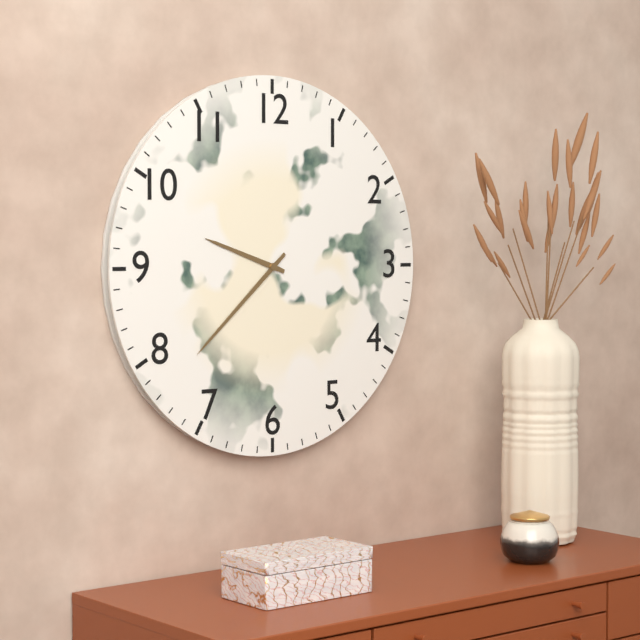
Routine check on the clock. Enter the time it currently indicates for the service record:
9:38
